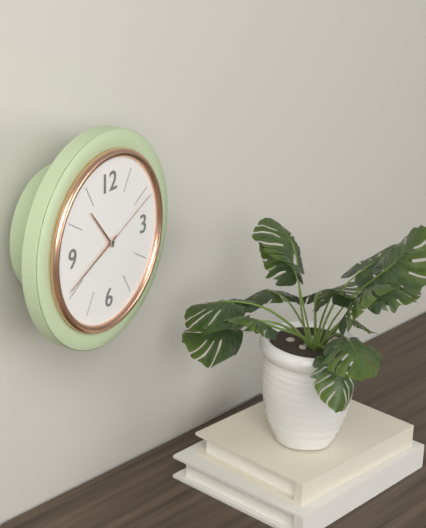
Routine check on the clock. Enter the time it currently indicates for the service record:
10:41:11
